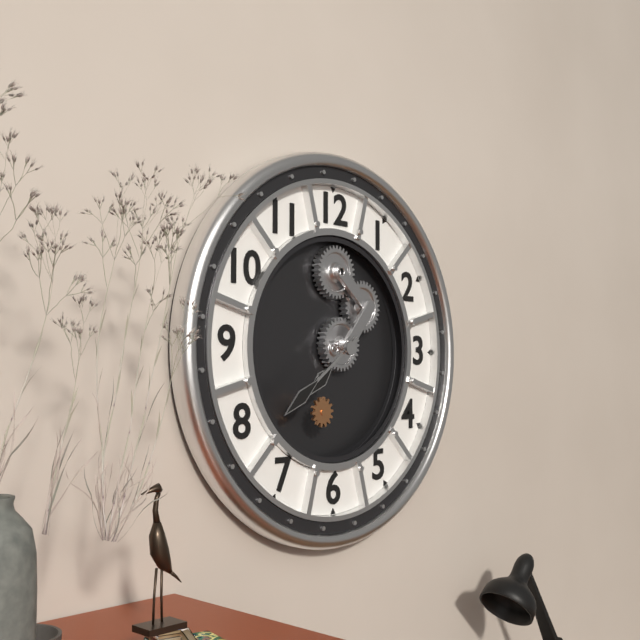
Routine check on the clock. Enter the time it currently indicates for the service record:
7:39
